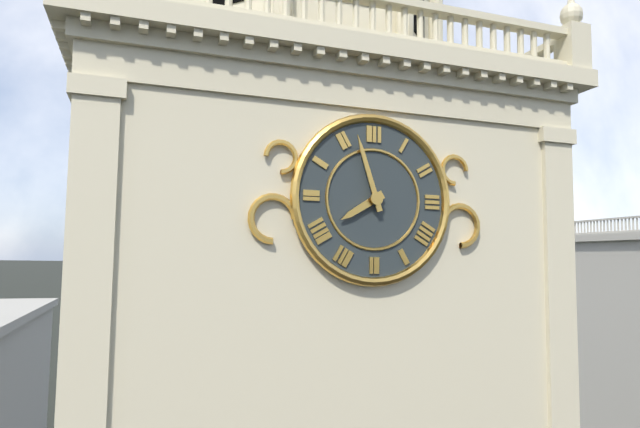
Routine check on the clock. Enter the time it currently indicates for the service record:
7:57
